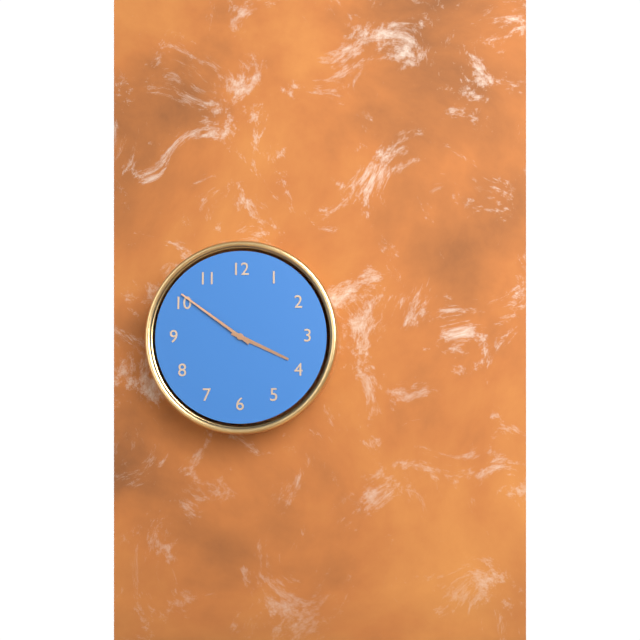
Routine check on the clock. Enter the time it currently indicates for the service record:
3:51
